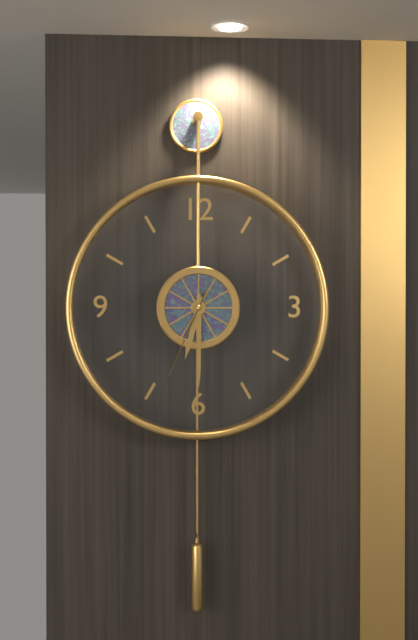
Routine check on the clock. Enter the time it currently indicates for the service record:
6:30:34
